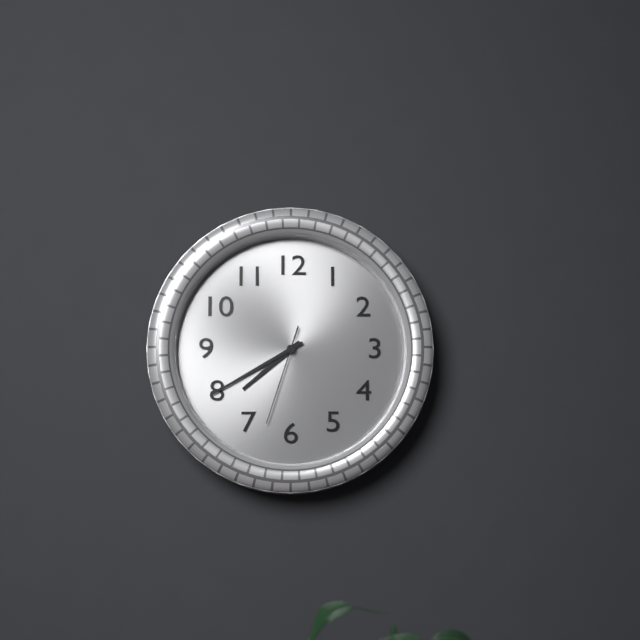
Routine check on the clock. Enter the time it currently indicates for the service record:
7:40:33
